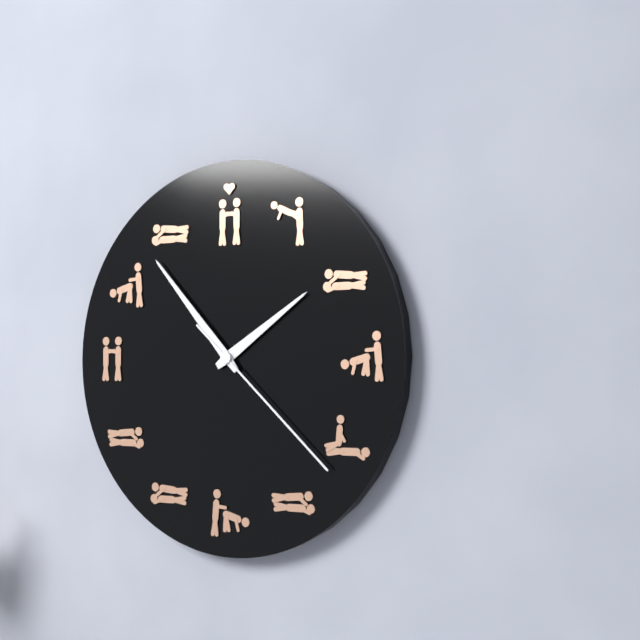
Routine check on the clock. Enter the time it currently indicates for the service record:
1:53:22
